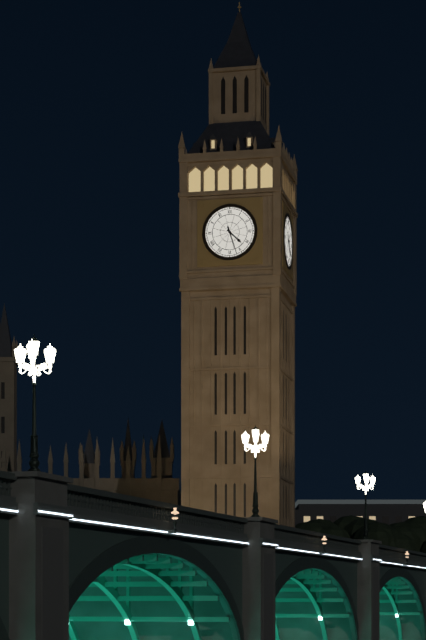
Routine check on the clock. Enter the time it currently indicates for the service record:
4:27
